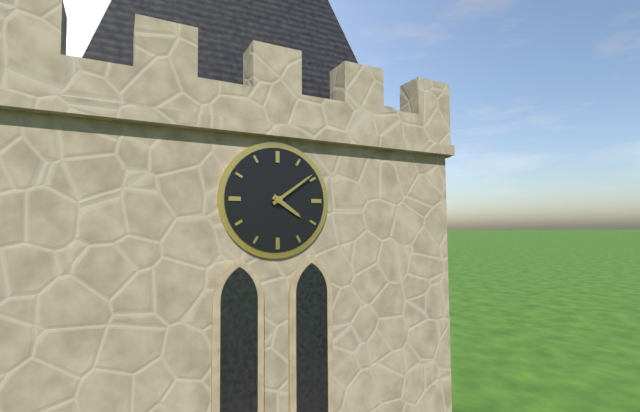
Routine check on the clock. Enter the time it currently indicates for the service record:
4:09
